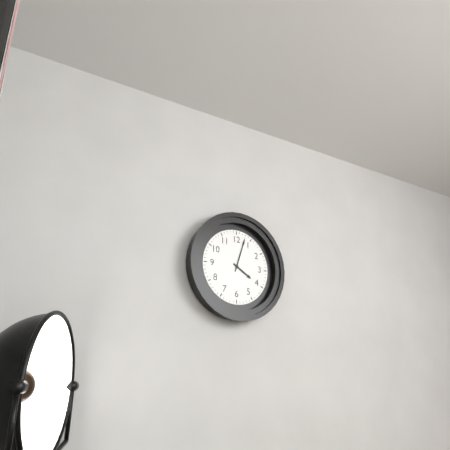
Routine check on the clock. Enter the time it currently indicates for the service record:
4:03
